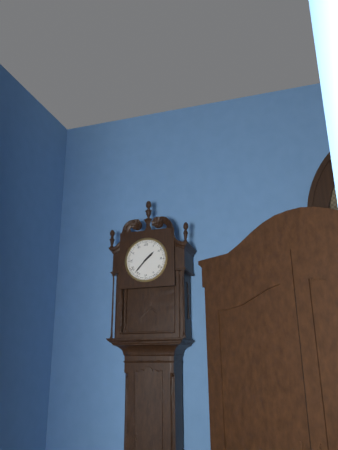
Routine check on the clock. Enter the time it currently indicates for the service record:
1:37
